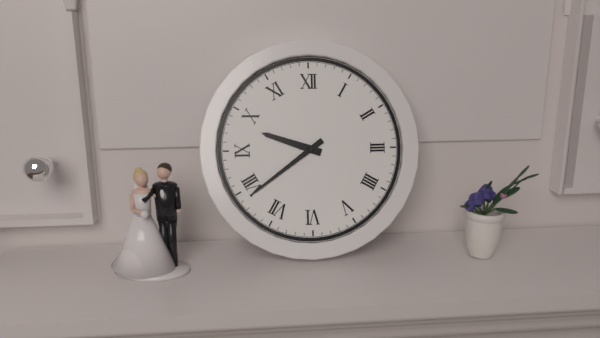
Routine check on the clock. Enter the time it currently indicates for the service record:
9:39
